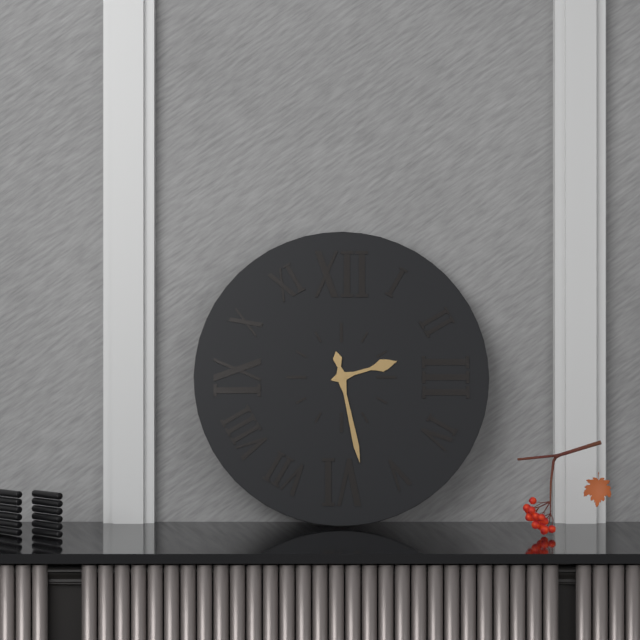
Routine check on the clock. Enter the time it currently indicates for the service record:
2:28
